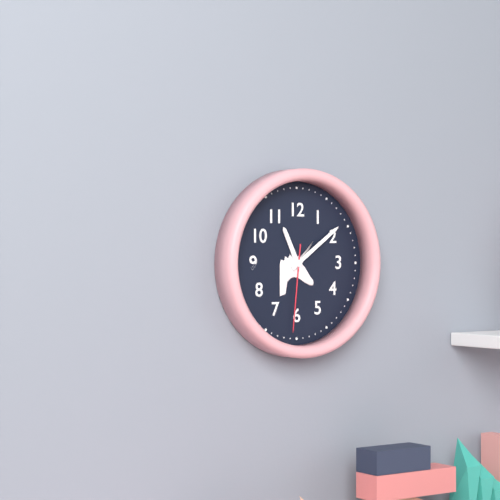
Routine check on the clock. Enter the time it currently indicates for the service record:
11:09:31
